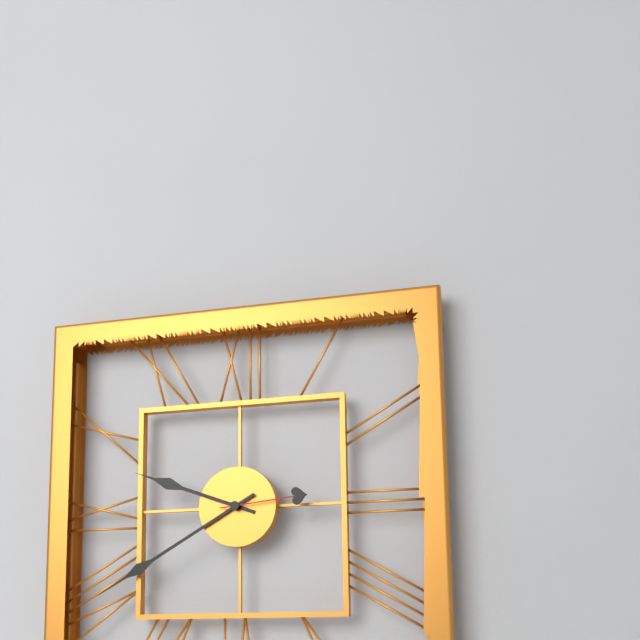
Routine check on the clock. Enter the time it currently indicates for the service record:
9:40:14
